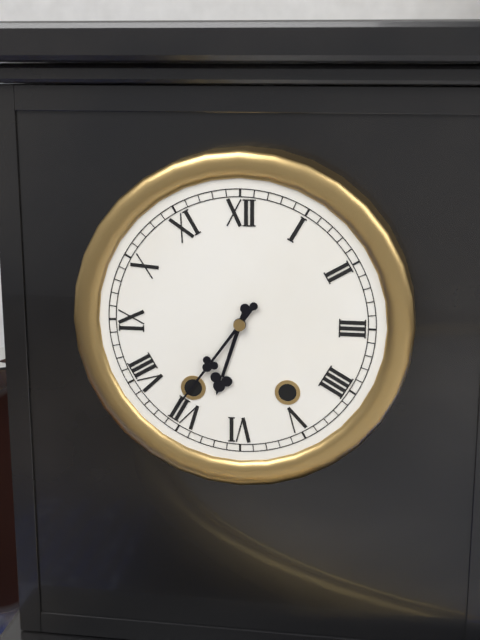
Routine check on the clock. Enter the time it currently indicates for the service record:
6:36
